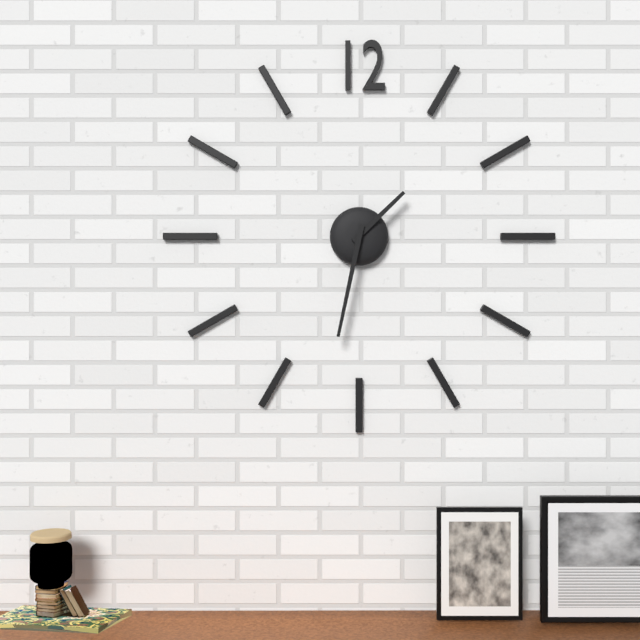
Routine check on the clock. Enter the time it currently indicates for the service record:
1:32
